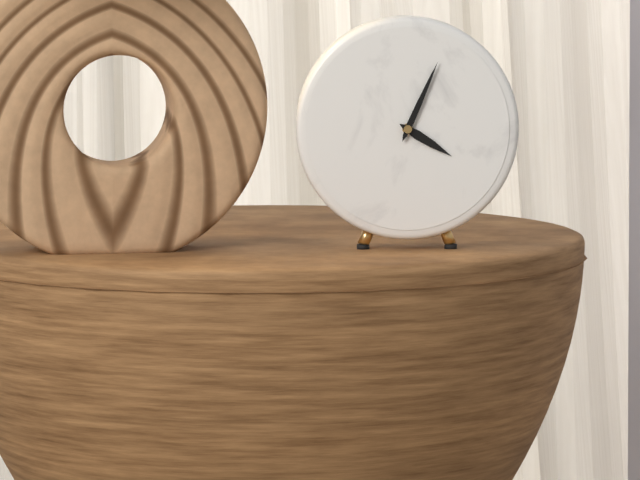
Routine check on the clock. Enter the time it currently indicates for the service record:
4:04
